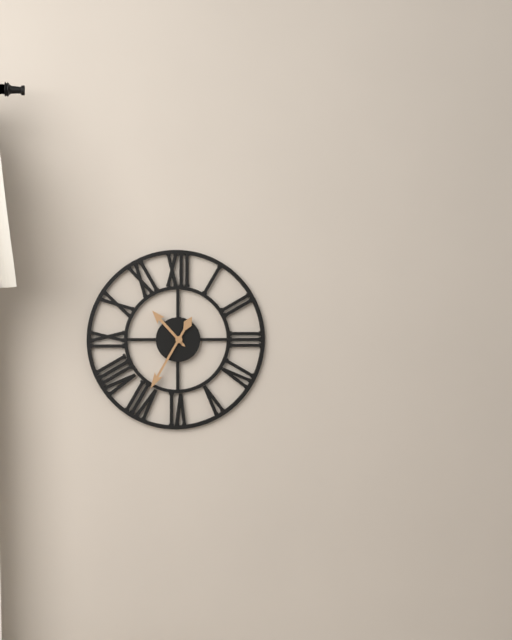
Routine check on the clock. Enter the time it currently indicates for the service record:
10:35
